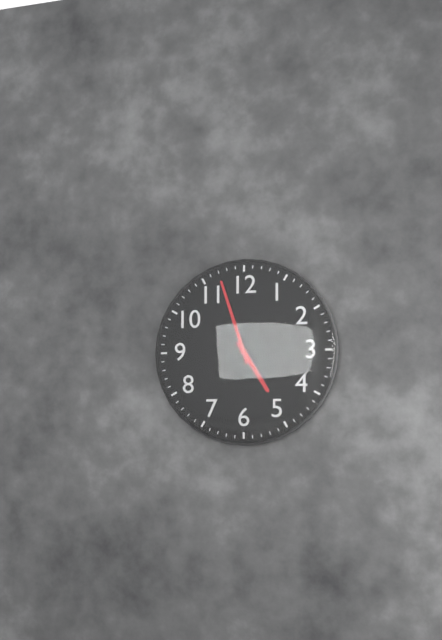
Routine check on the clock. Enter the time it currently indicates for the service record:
4:57
